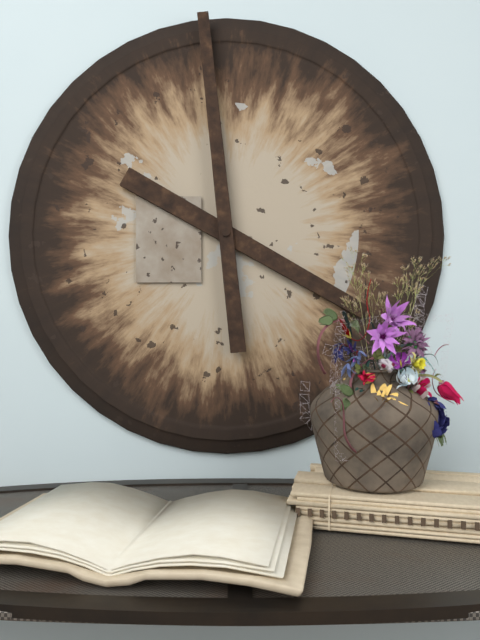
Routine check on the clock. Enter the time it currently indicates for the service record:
3:59
